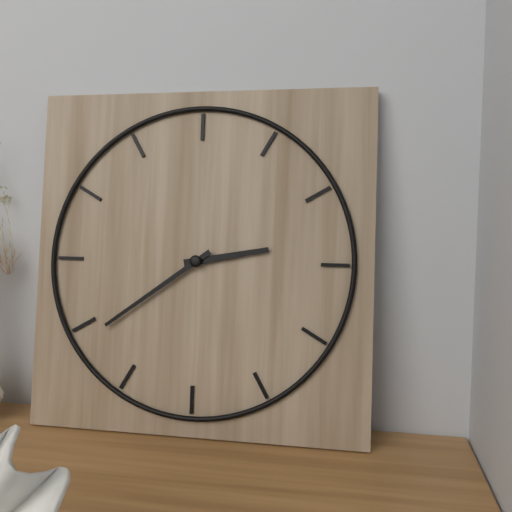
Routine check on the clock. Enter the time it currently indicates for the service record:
2:39
